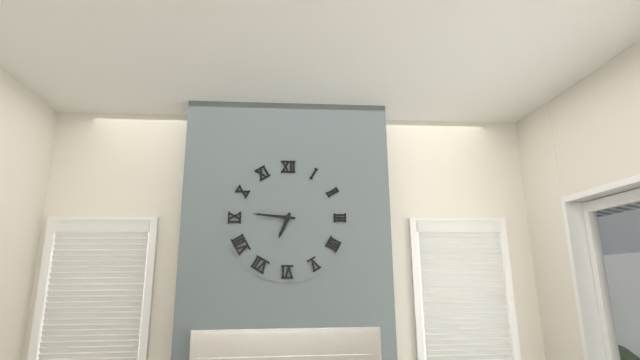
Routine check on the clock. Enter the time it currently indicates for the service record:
6:46
